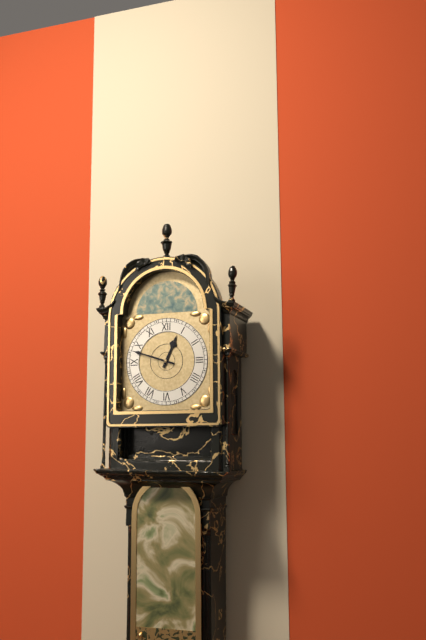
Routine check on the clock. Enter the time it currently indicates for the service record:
12:48
